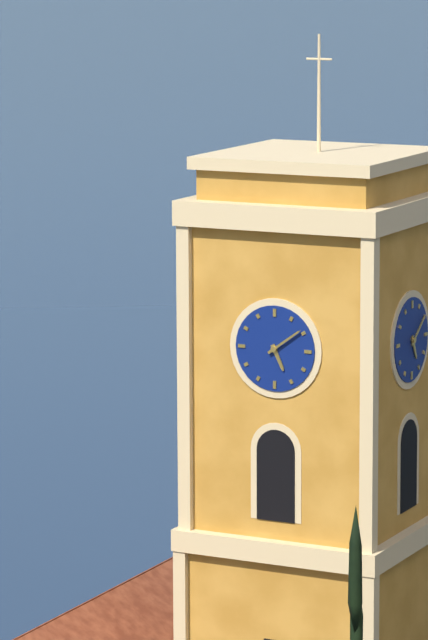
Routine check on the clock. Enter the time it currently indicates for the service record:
5:09
